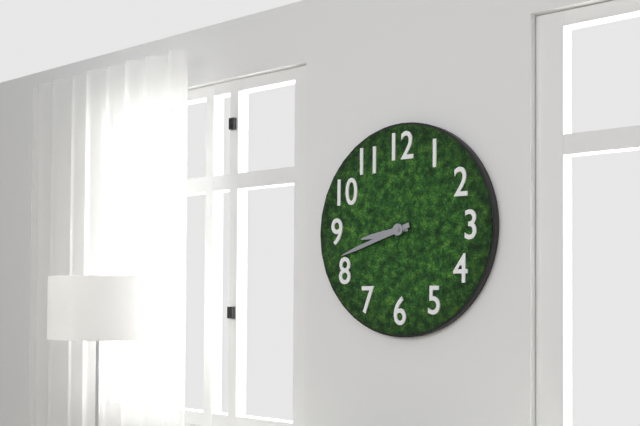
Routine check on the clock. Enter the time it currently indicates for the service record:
8:42
